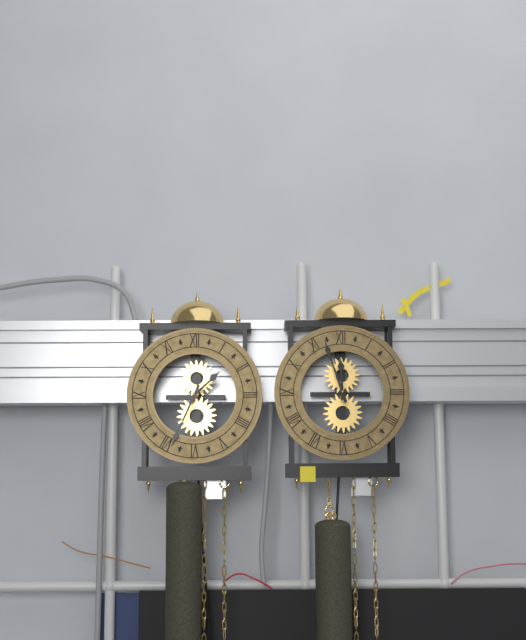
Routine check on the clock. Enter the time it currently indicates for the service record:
1:34
